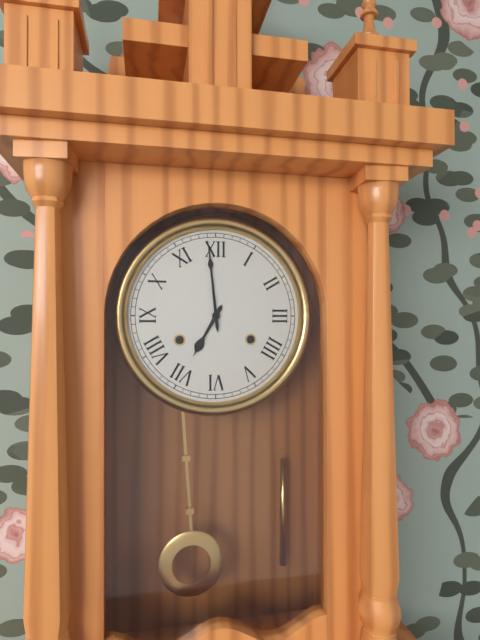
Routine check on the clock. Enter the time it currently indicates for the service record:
6:59
